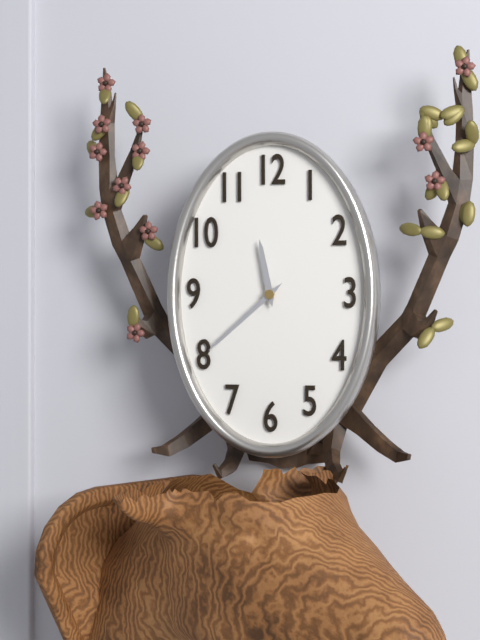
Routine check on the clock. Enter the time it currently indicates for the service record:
11:38
